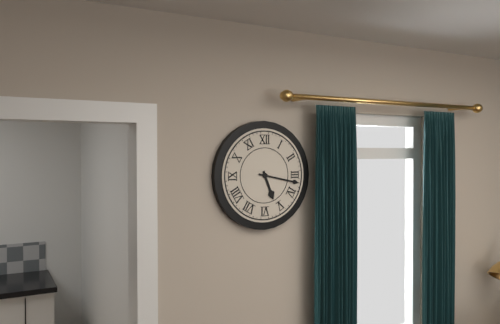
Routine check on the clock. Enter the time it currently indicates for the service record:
5:17
